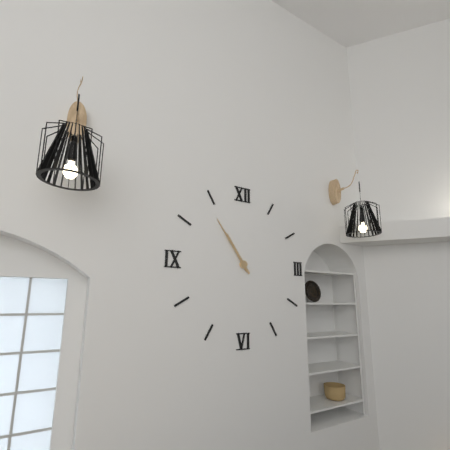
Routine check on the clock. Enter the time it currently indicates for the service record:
10:54
